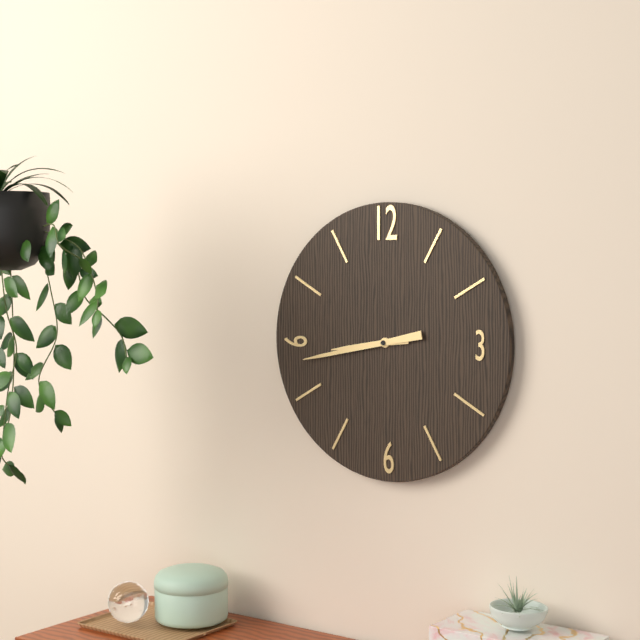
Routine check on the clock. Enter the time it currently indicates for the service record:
8:43
